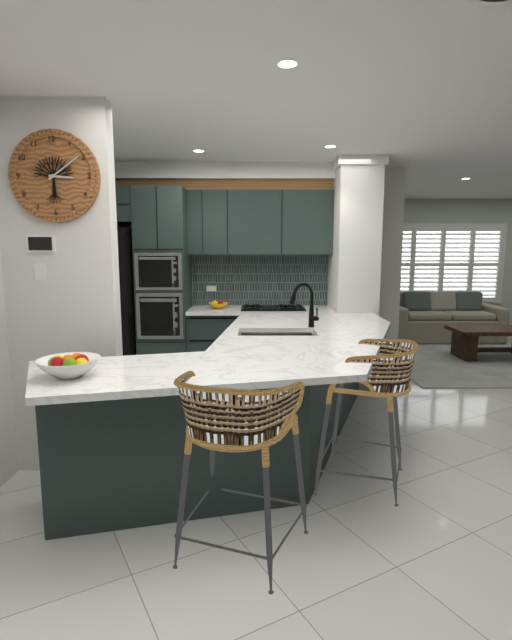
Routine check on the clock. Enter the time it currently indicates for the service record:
3:09
